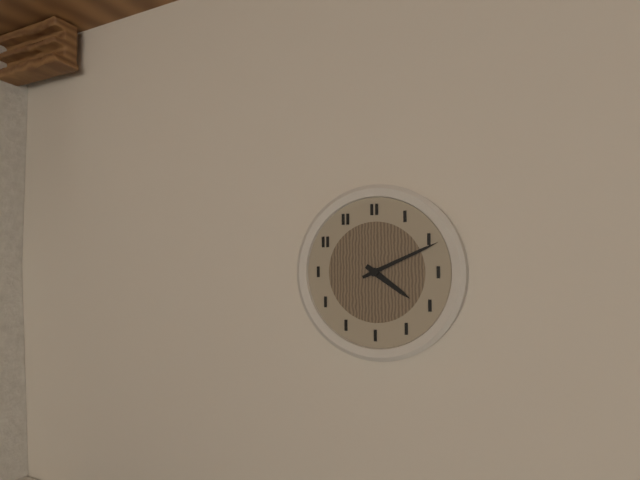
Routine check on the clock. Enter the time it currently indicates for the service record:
4:11
